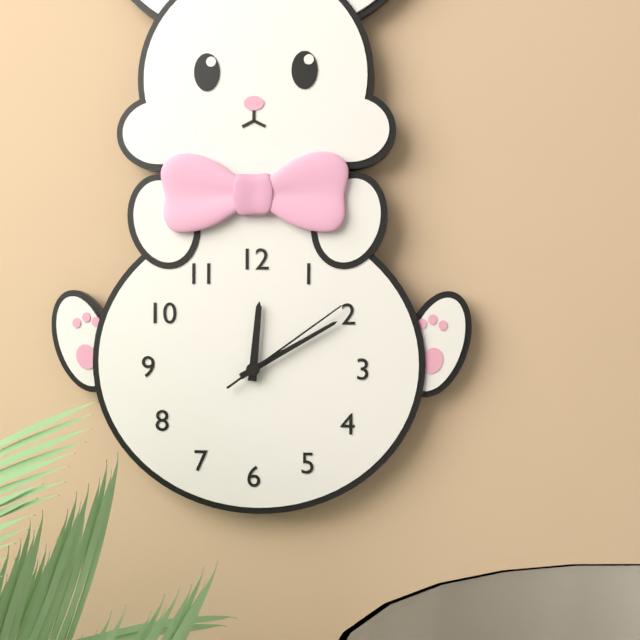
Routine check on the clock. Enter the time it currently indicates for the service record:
12:10:09
